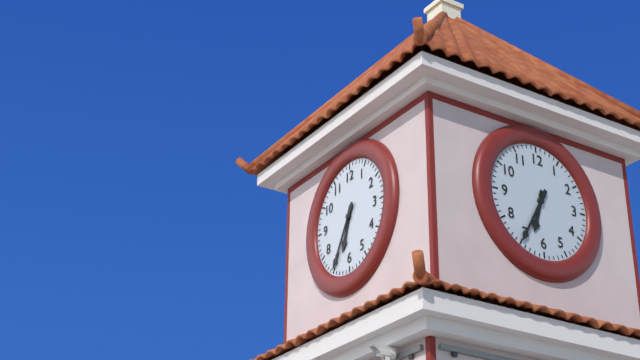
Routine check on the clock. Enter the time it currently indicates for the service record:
6:35
